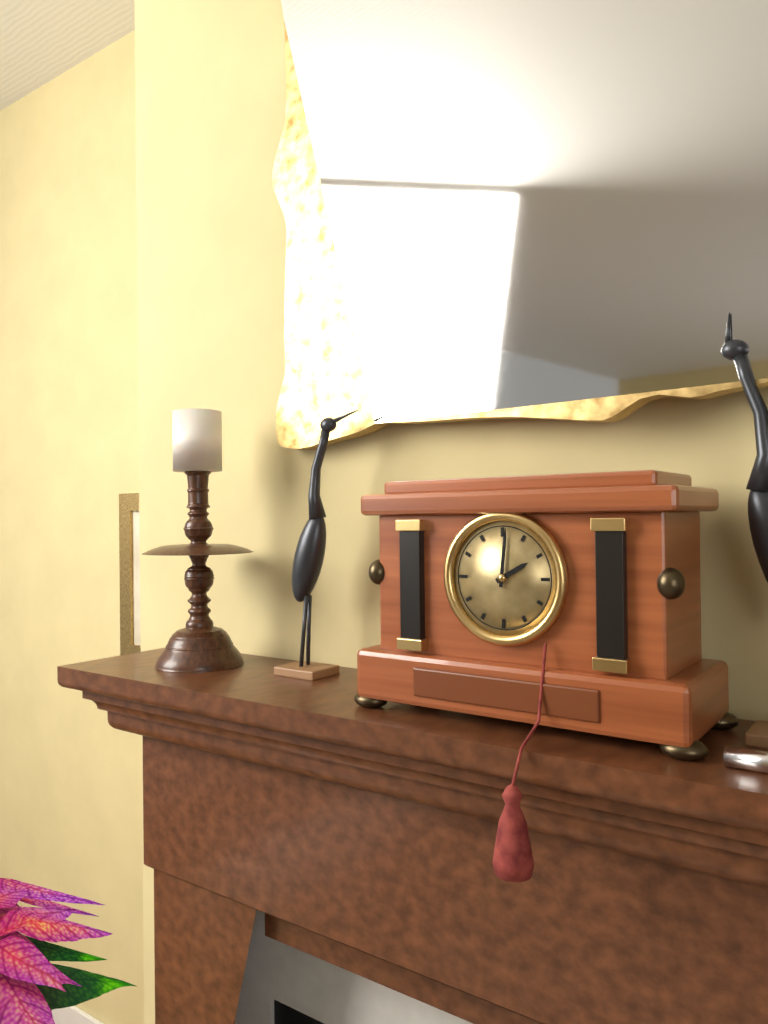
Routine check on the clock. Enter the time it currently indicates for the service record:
2:01
